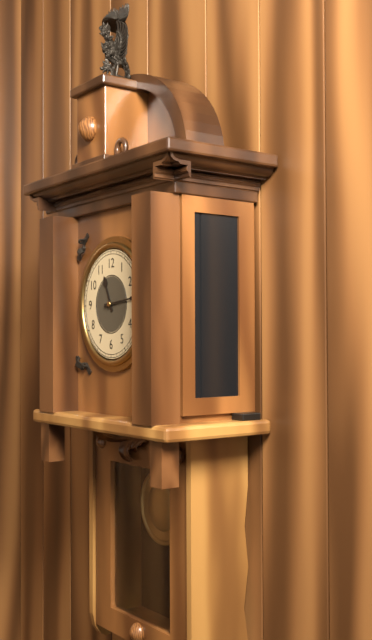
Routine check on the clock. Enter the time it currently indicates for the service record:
11:14
